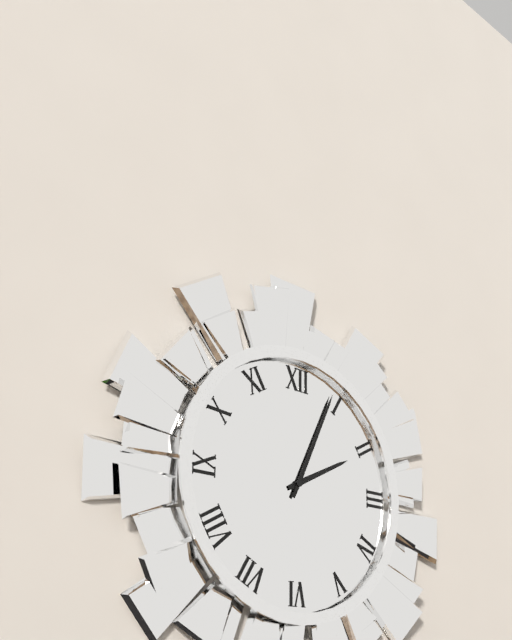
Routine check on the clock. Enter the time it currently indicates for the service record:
2:04
